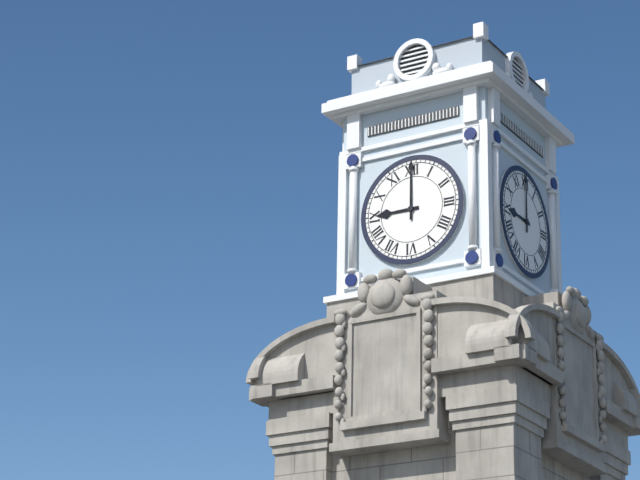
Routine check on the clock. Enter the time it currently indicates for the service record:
9:00
